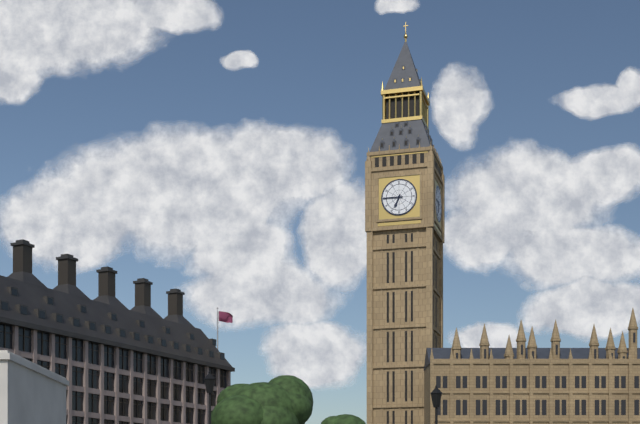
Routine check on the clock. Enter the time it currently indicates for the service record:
6:45
